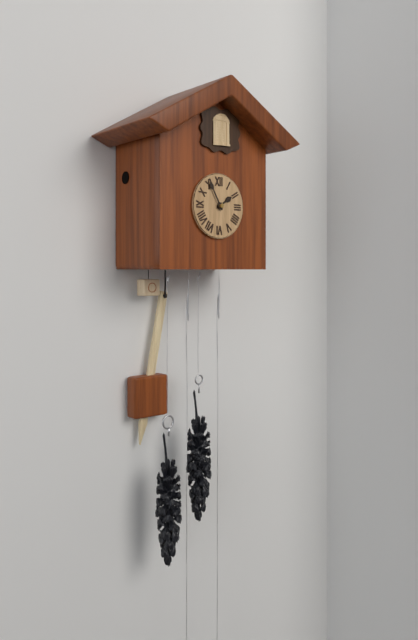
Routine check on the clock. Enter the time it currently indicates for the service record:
1:55
